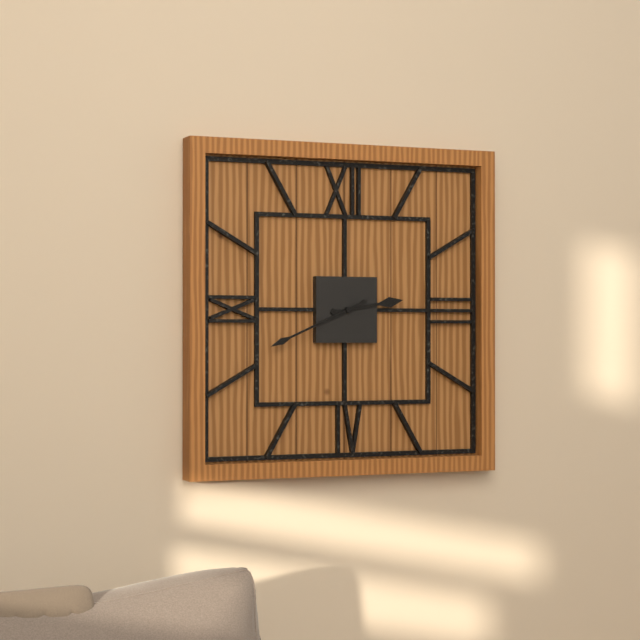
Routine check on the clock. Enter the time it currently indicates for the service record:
2:41
